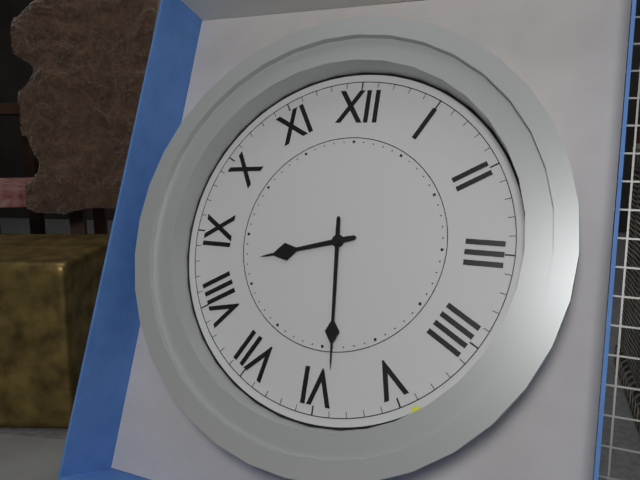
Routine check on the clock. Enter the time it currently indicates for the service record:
8:29
